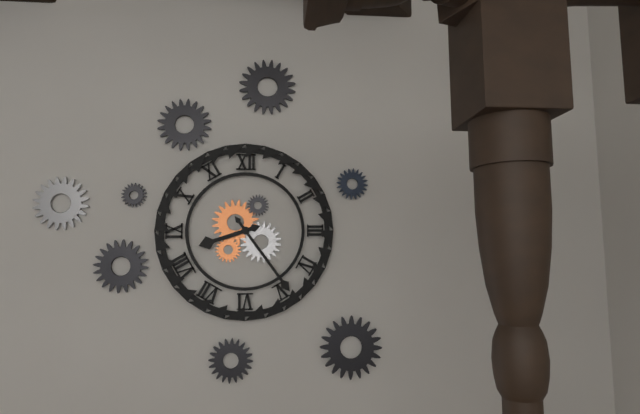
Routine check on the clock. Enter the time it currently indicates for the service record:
8:24
